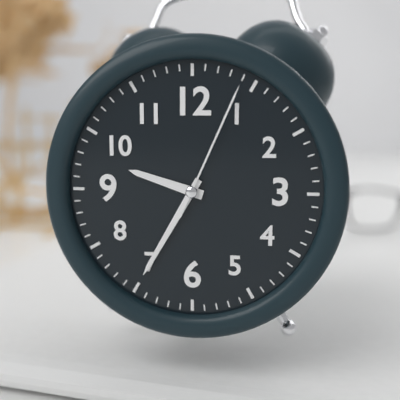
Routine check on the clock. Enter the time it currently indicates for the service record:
9:35:04
